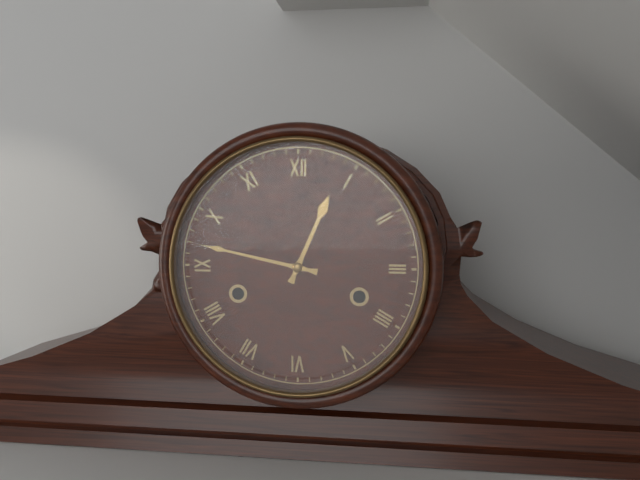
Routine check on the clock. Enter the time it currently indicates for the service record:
12:47
